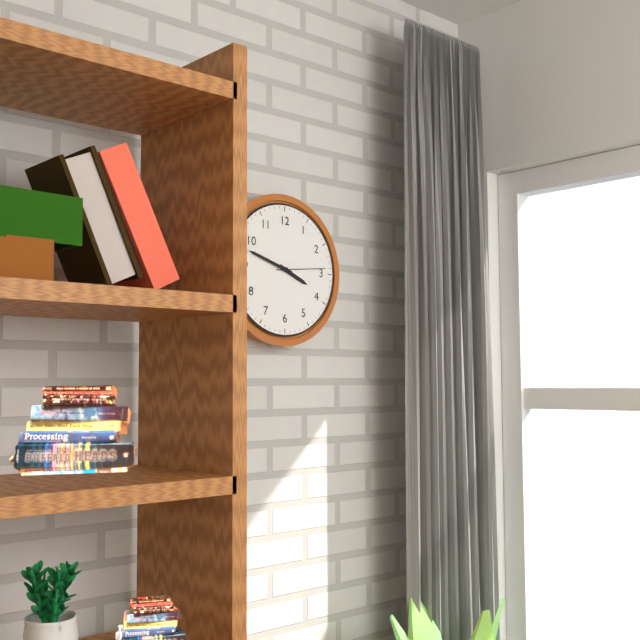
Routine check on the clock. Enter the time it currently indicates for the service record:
3:48
